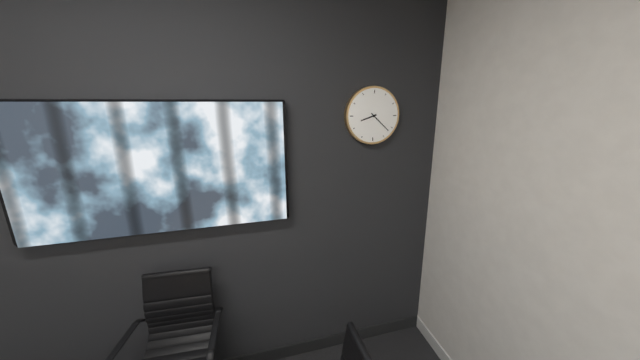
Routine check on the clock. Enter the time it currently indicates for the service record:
8:22
